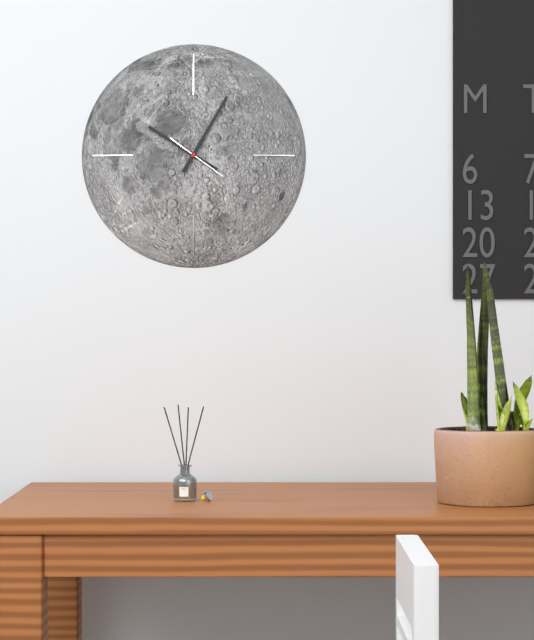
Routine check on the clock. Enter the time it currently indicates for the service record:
10:05
